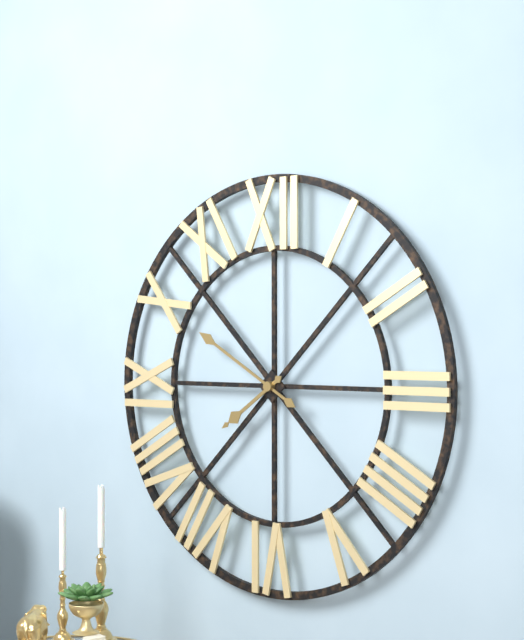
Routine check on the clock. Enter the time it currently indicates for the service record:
7:50
